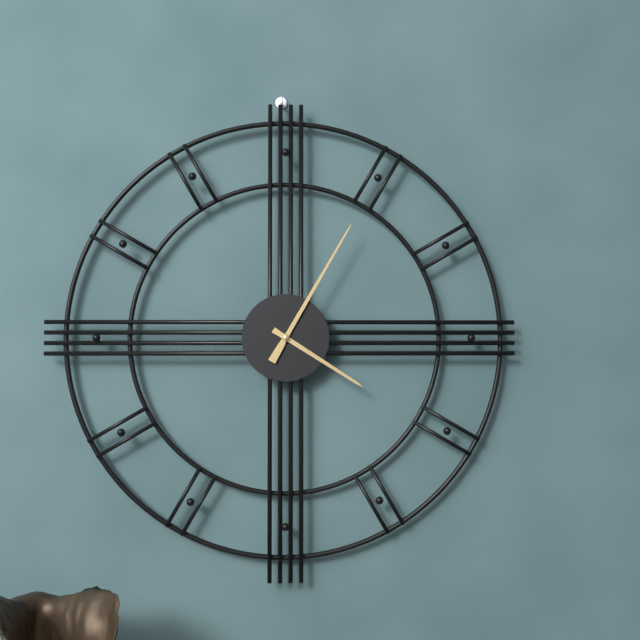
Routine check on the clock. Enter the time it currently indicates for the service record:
4:05
